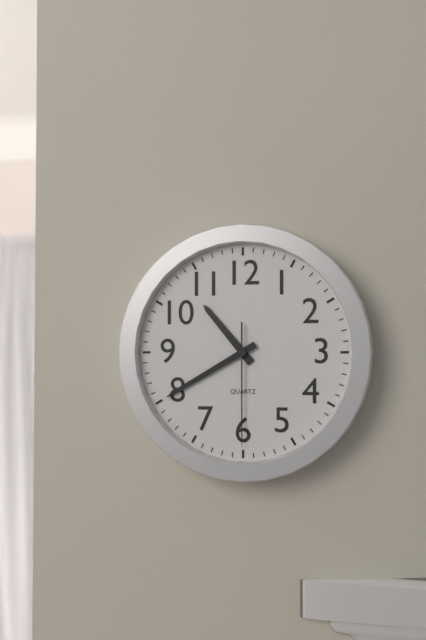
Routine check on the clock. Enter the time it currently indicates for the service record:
10:40:30
